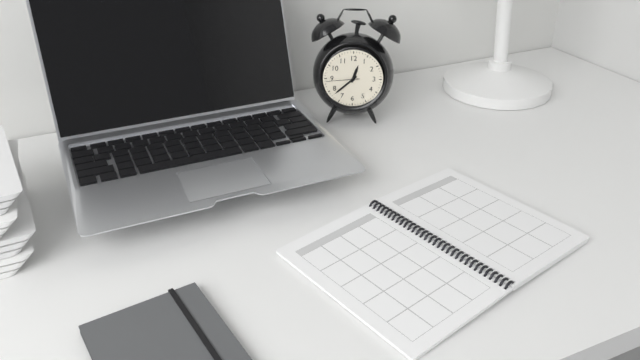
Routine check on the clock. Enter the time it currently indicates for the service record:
12:38
